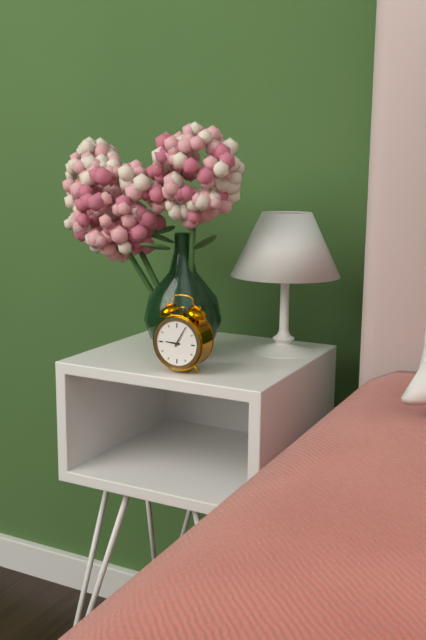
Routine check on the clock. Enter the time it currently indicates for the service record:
9:05
